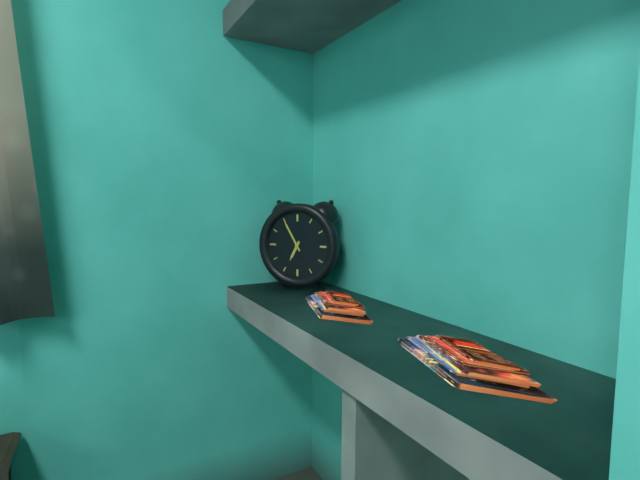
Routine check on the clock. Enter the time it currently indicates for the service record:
6:55
